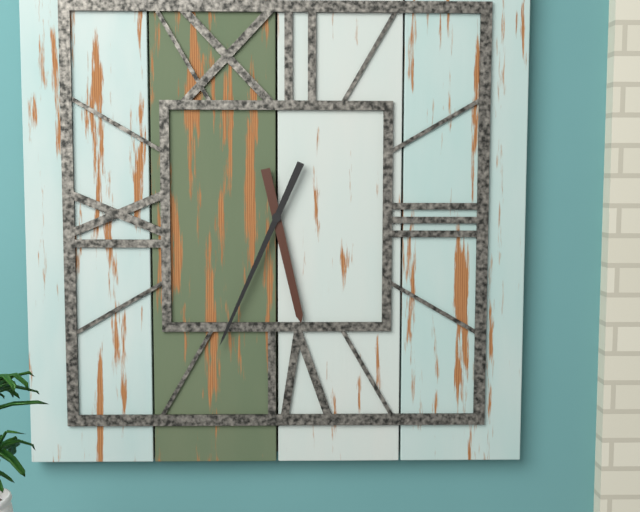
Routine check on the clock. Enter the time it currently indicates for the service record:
5:34
